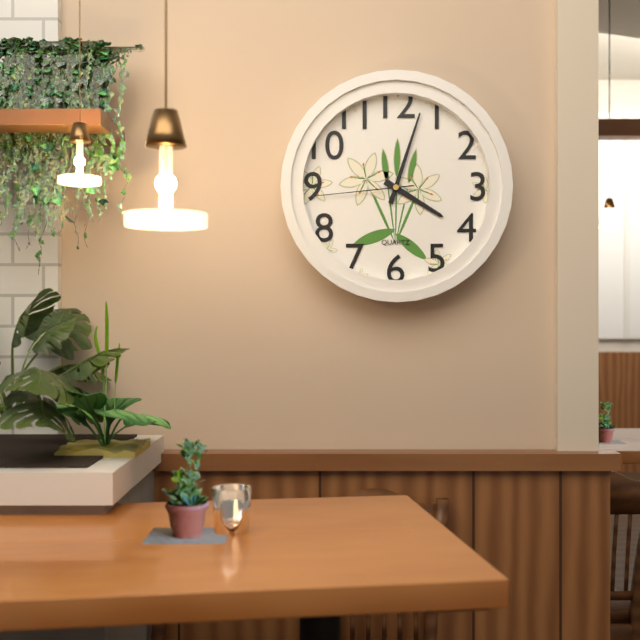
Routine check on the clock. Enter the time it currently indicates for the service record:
4:03:44
